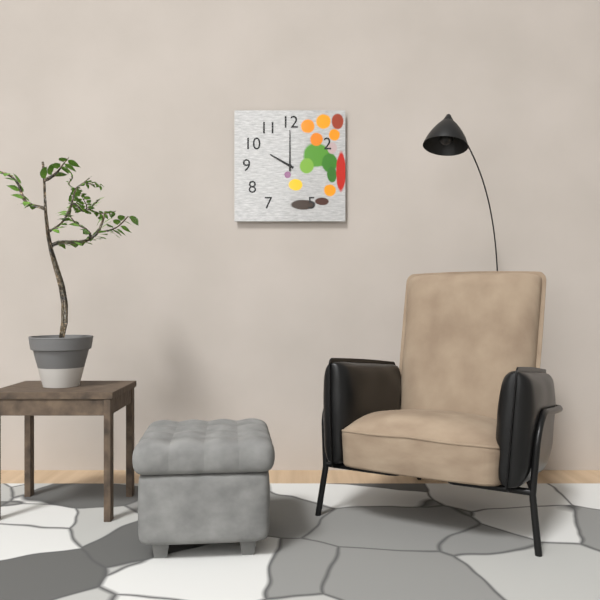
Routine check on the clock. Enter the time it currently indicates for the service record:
10:00
